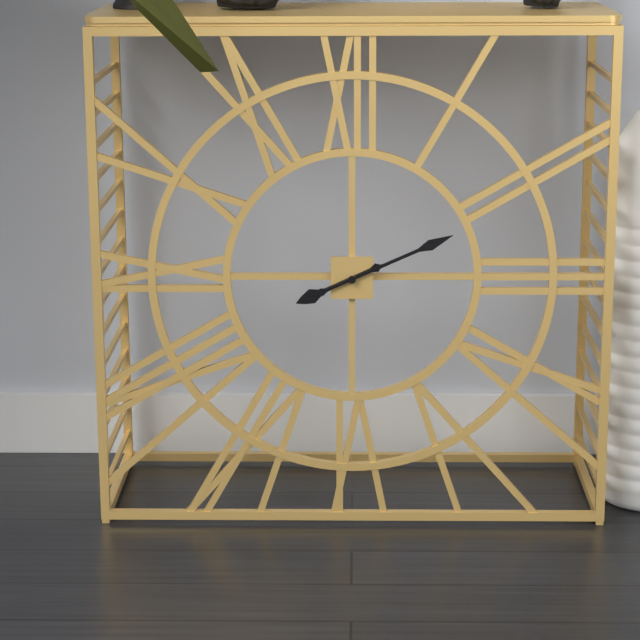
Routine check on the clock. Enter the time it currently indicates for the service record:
8:11
